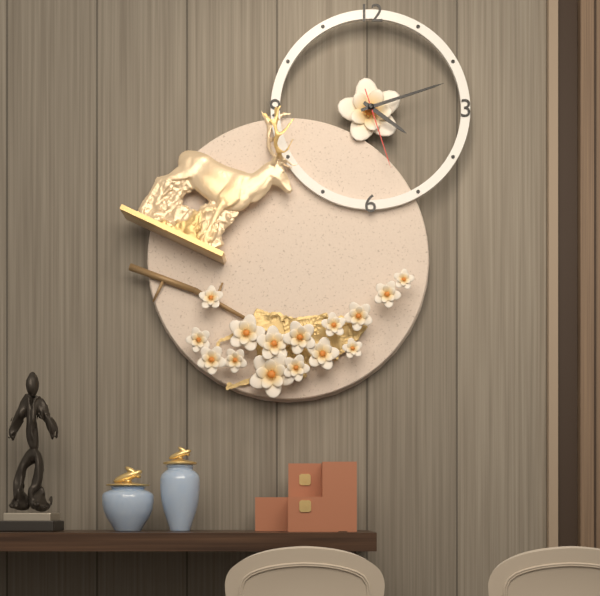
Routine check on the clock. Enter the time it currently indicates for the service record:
4:12:27
